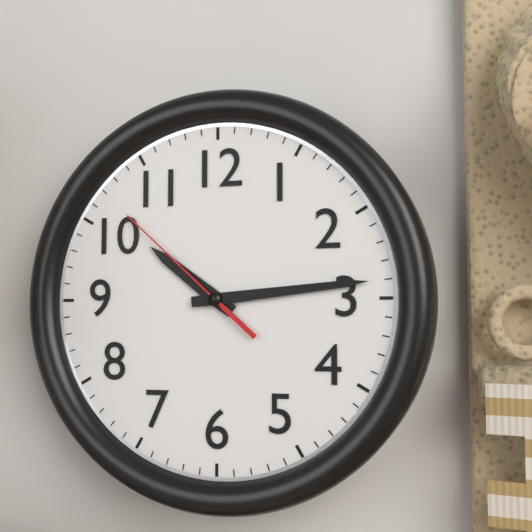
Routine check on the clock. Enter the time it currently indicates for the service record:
10:14:52
